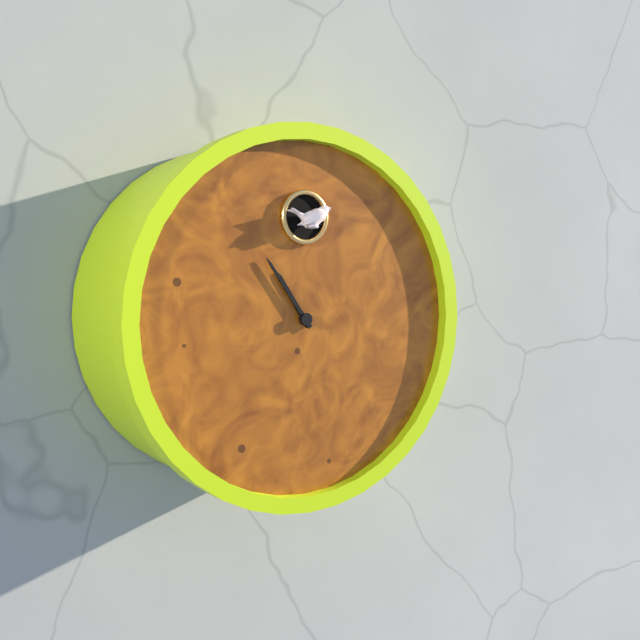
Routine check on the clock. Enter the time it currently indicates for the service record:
10:54
